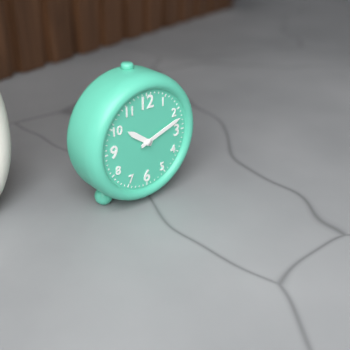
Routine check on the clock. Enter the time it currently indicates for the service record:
10:12
